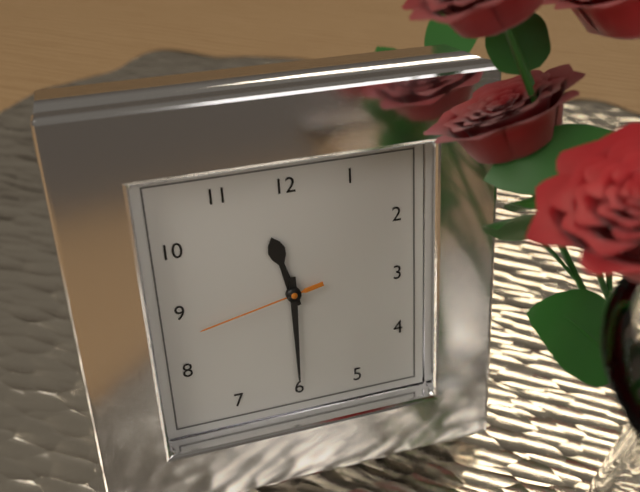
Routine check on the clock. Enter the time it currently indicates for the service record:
11:30:43
